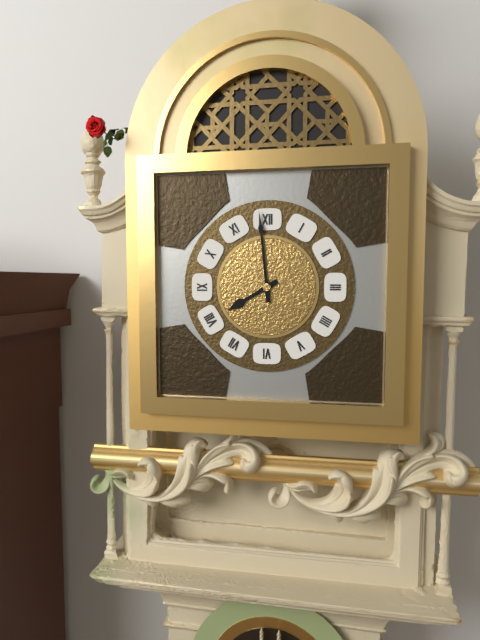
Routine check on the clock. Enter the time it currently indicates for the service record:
7:59
